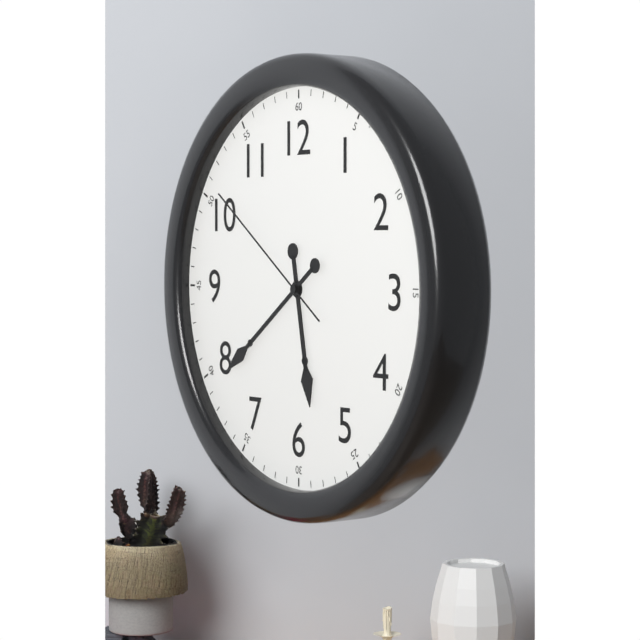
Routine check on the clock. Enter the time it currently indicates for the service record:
5:39:51
